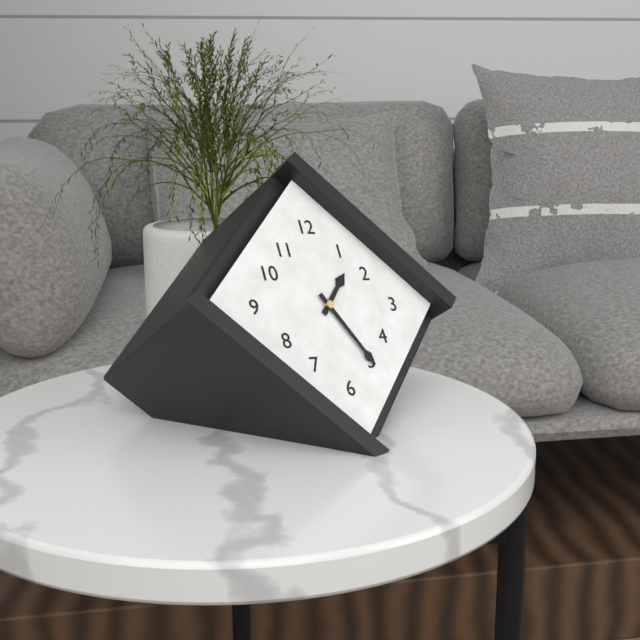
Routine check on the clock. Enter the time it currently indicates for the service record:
1:25
